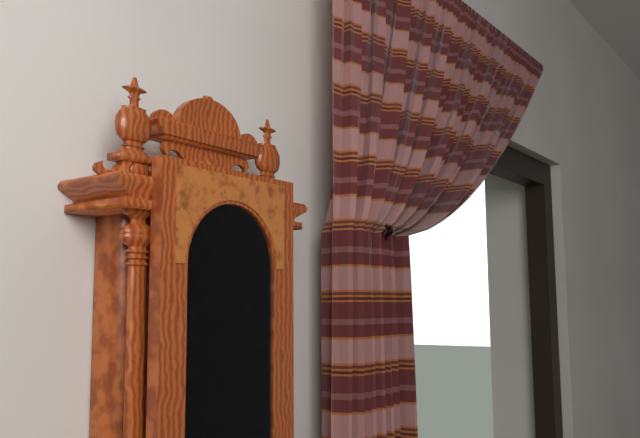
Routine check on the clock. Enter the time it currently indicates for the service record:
12:00
